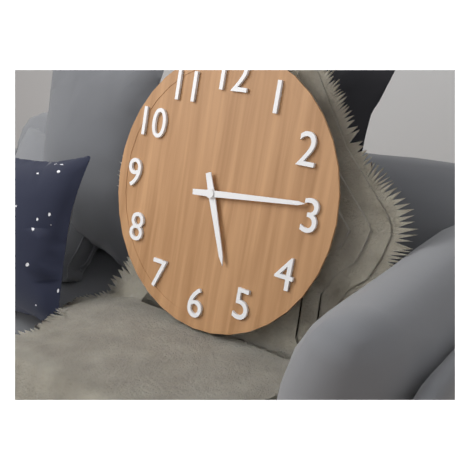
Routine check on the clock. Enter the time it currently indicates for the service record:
5:14
